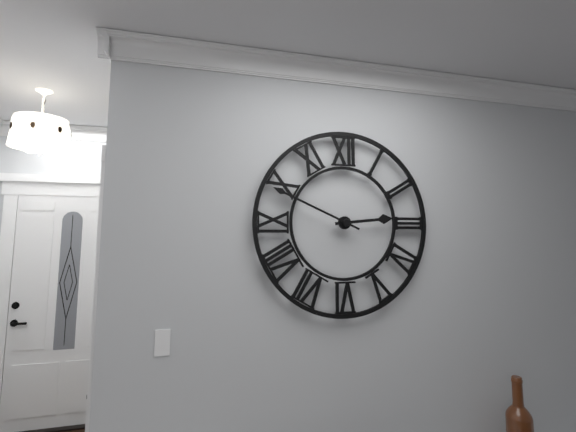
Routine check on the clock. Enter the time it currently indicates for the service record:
2:49
